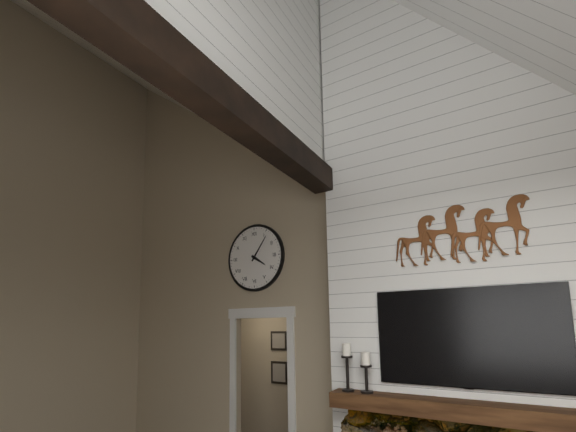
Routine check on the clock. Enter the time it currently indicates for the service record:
4:06
